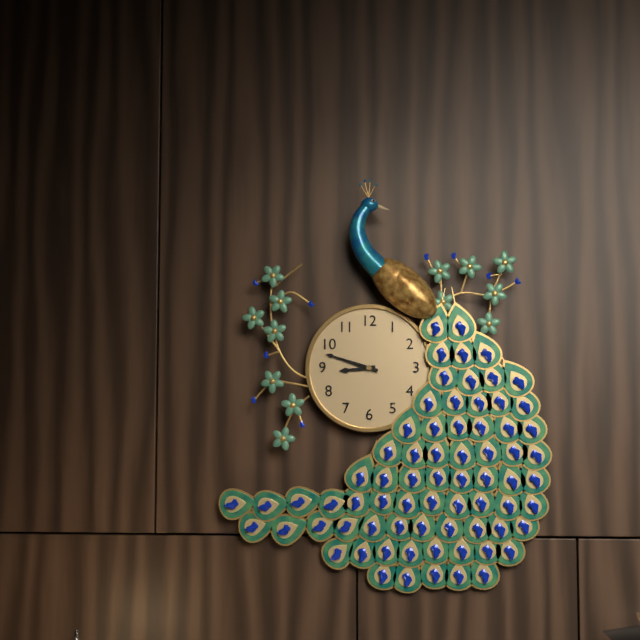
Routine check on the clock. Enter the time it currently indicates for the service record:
8:48
